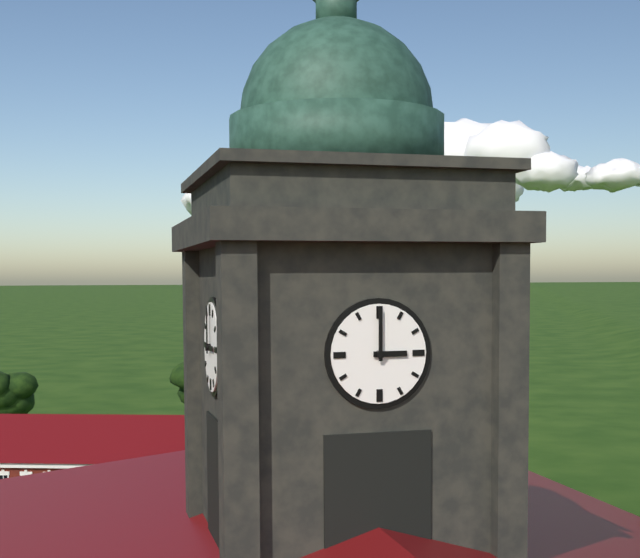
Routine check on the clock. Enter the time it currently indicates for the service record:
3:00
